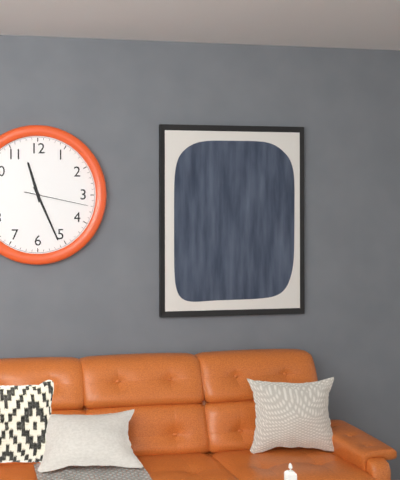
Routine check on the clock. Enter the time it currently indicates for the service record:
11:26:17
